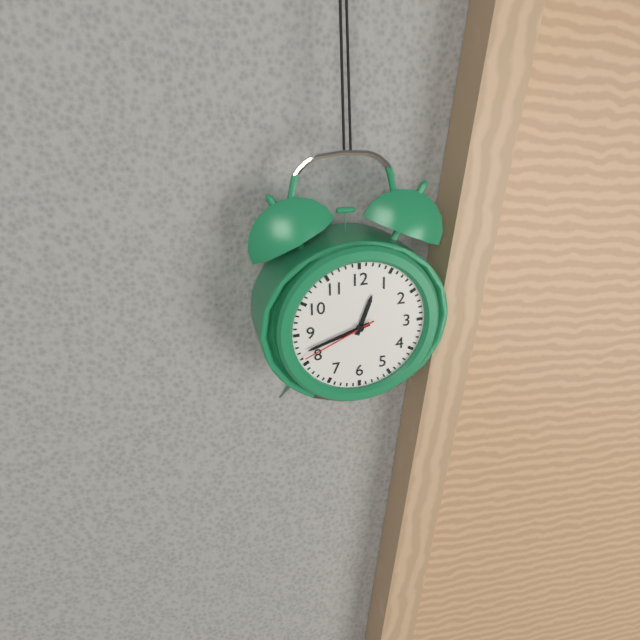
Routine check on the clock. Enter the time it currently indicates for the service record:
12:42:41
